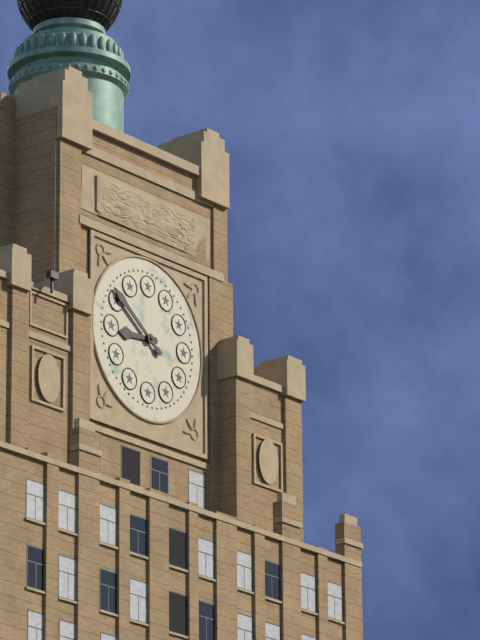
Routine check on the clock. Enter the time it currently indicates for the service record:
8:51
